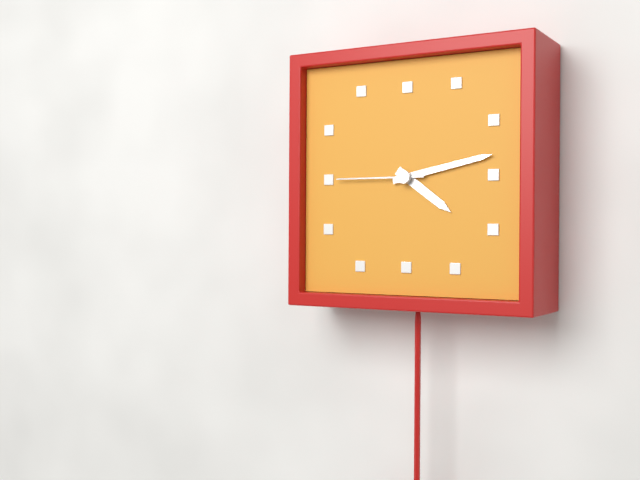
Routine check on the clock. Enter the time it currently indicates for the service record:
4:13:45
